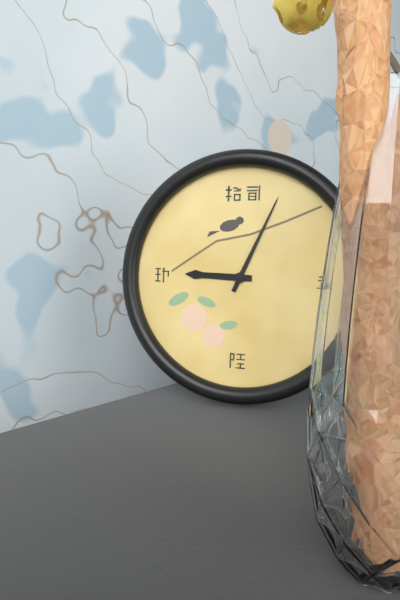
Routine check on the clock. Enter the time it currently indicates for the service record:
9:04
